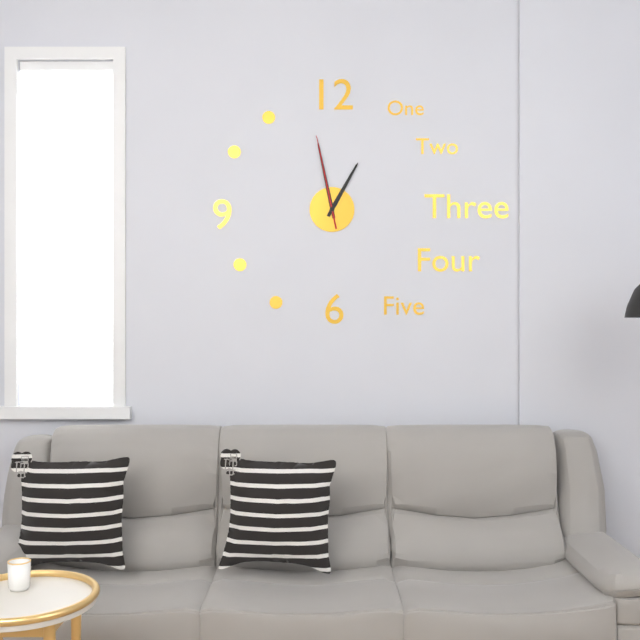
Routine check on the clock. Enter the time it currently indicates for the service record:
12:58:58
